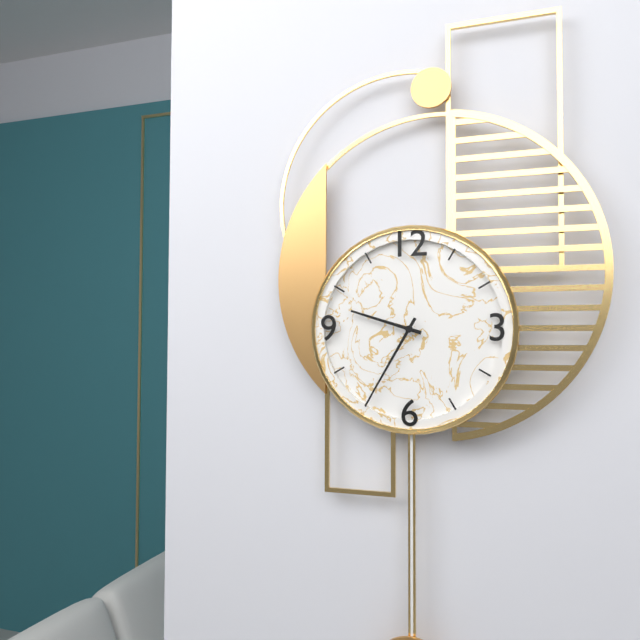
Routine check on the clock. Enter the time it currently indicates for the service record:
9:35
